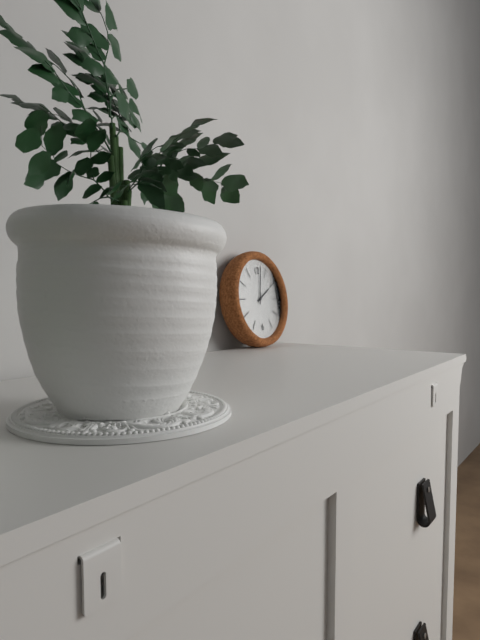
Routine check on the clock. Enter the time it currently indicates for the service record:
2:02
